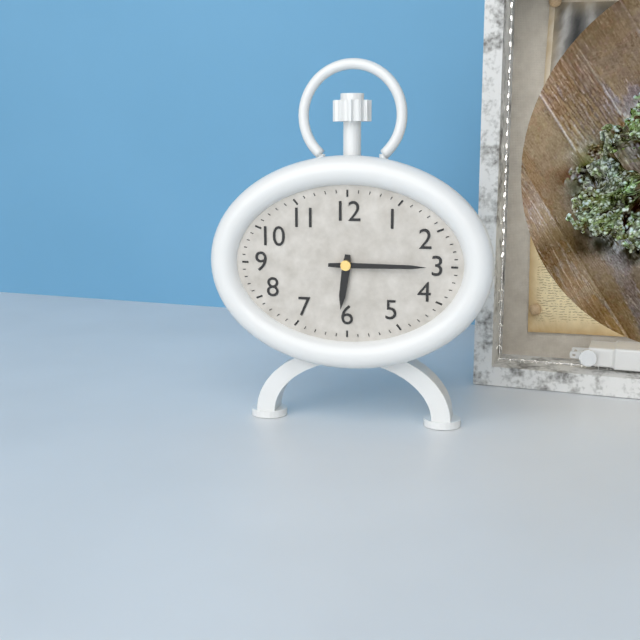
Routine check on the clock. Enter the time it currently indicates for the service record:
6:15
